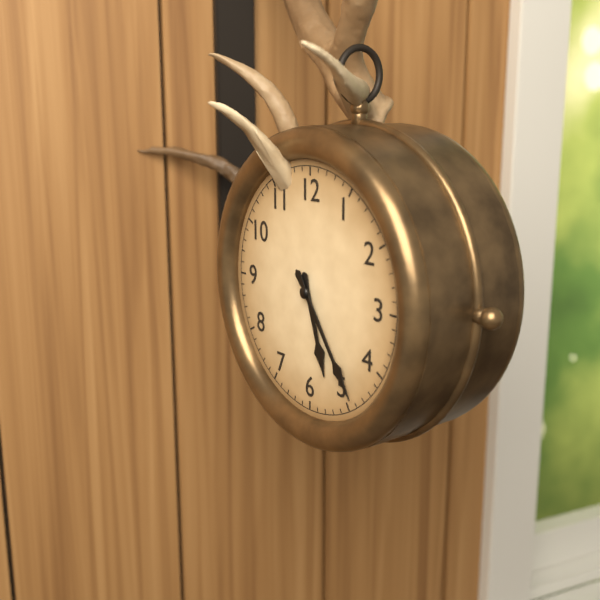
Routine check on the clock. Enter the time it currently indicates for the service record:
5:24
